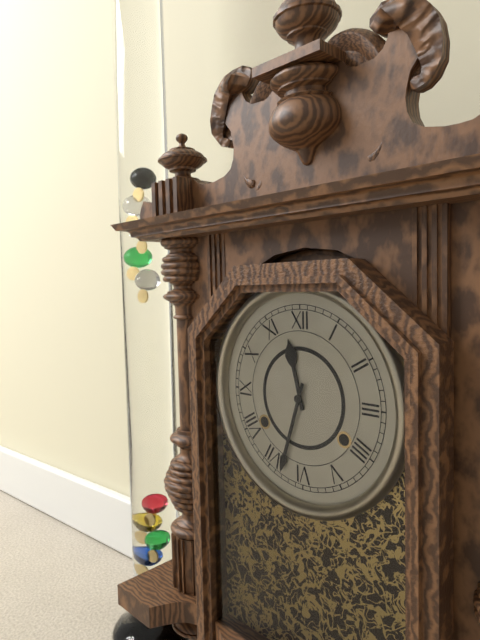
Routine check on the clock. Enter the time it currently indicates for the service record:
11:33
